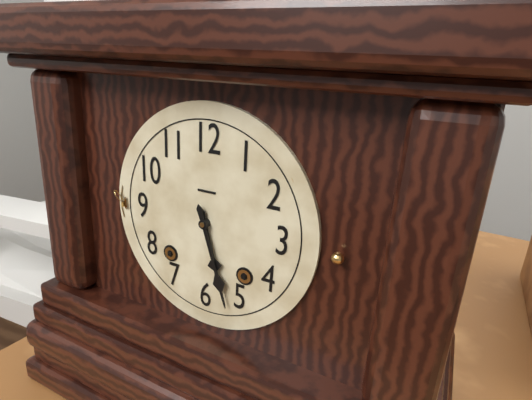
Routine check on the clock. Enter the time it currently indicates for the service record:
5:27
